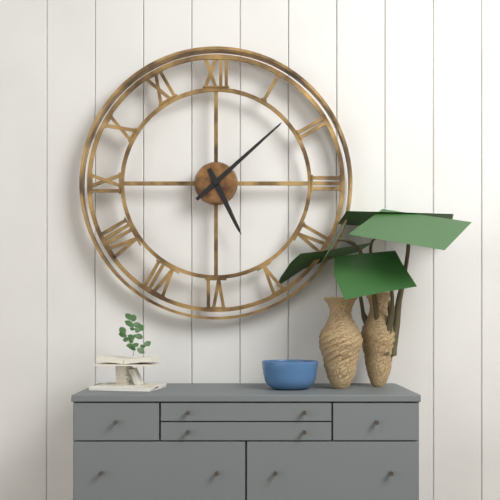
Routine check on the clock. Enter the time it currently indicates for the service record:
5:08
